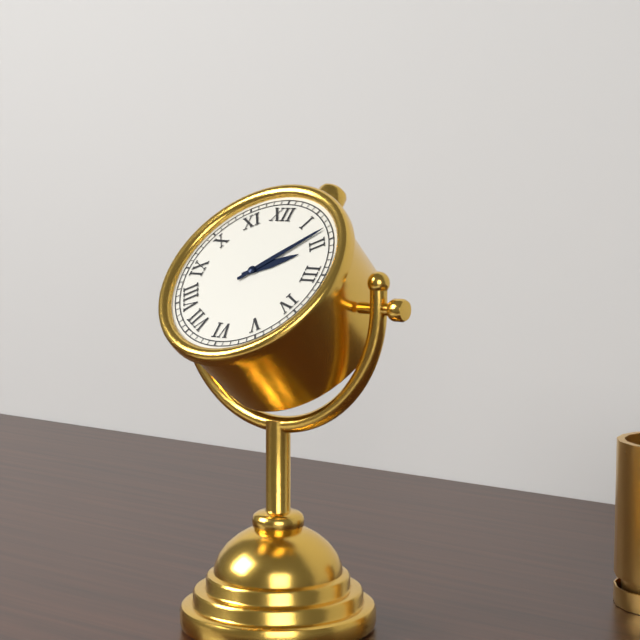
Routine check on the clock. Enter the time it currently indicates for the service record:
2:08
